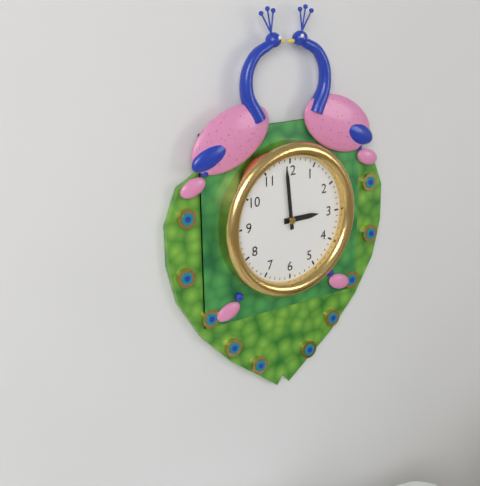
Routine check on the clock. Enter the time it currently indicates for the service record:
2:59
